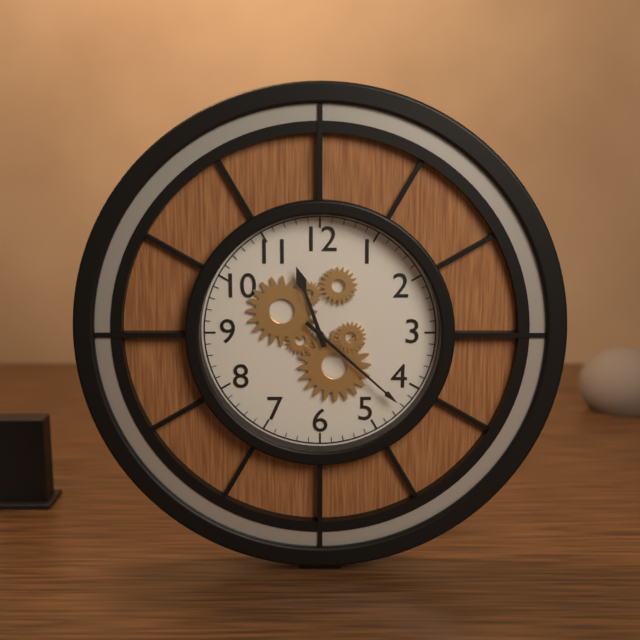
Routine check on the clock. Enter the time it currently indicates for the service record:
11:22
